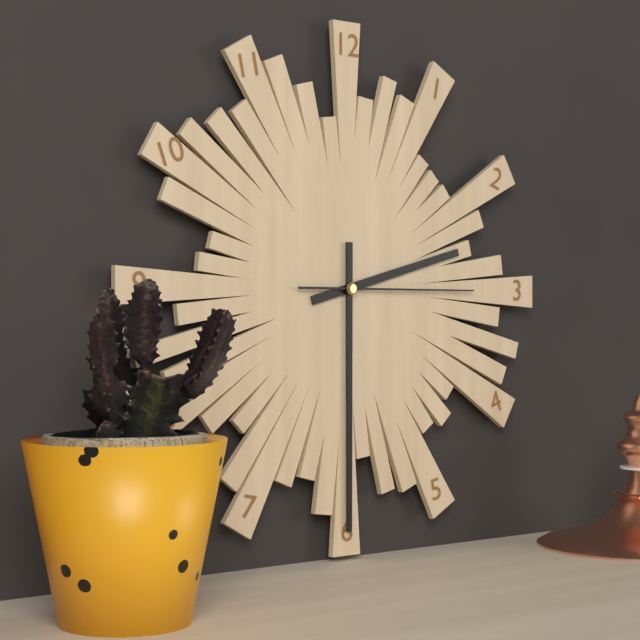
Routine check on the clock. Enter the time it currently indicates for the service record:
2:30:15
